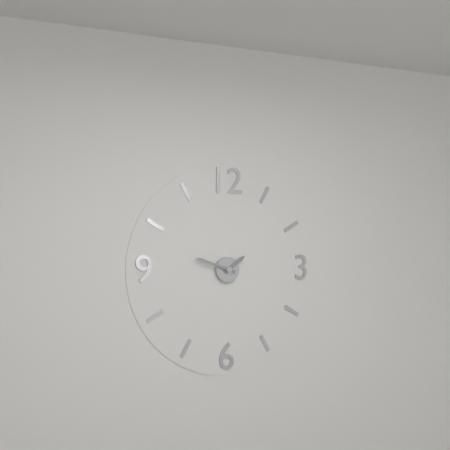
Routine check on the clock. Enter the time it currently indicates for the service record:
1:48
